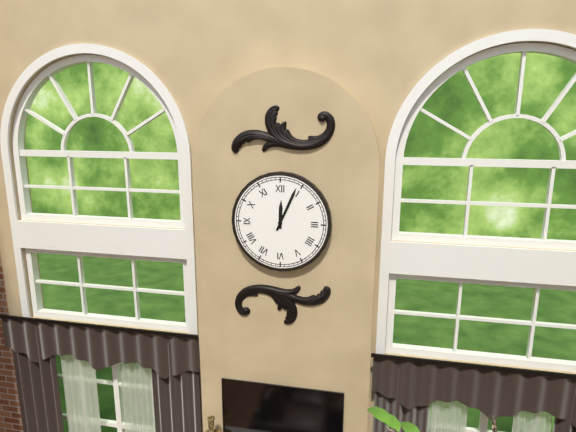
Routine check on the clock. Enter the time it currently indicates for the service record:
12:04
